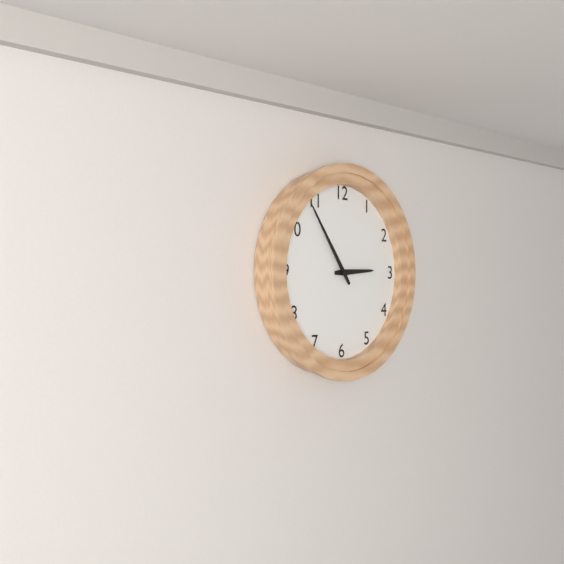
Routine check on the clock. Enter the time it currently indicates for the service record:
2:54
